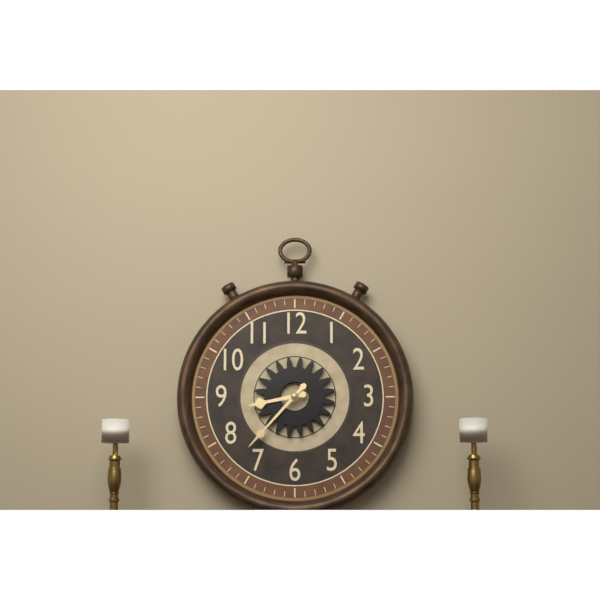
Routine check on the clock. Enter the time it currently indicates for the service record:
8:37
